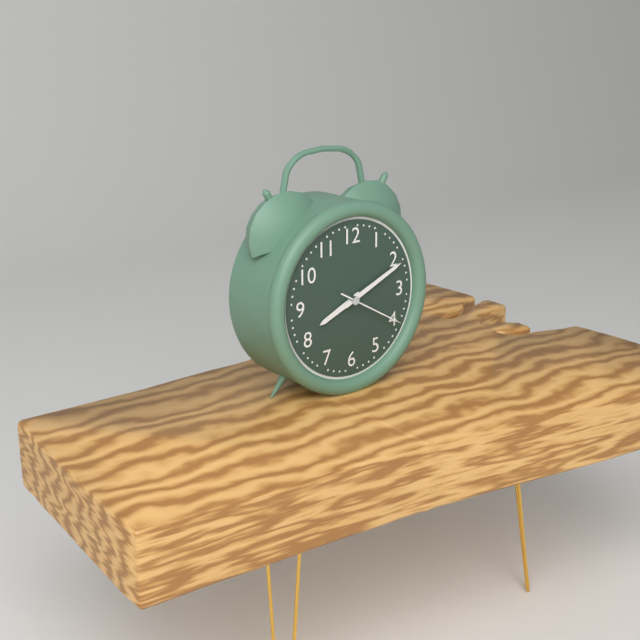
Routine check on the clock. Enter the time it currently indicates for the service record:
8:11:20
